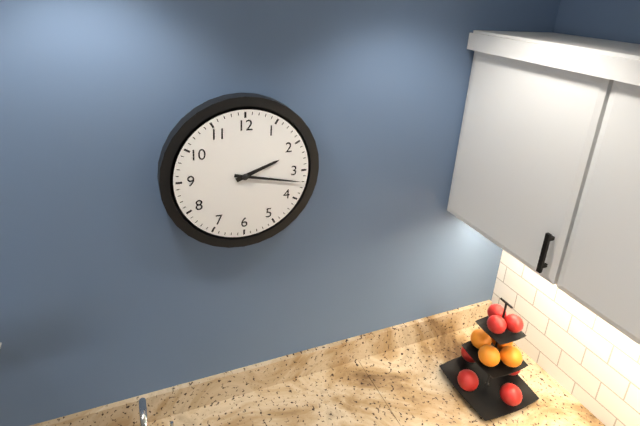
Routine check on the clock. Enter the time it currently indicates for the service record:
2:17
